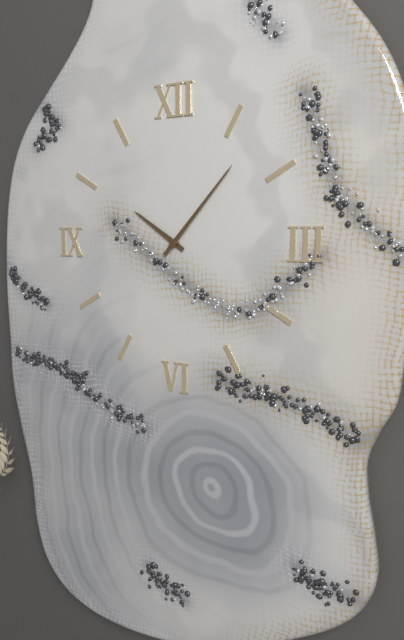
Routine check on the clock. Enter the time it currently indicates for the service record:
10:07
